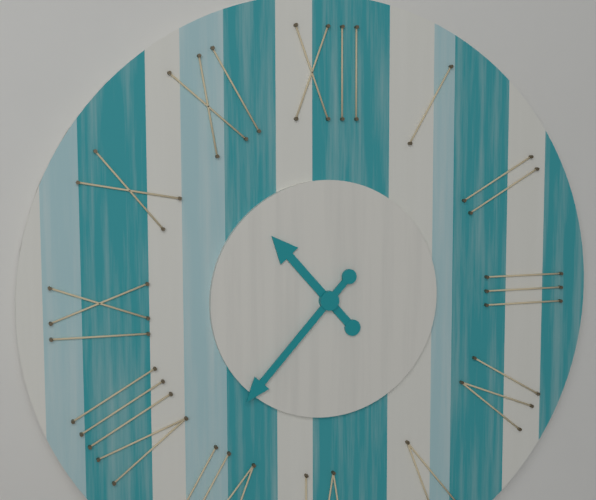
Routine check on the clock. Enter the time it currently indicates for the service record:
10:37
